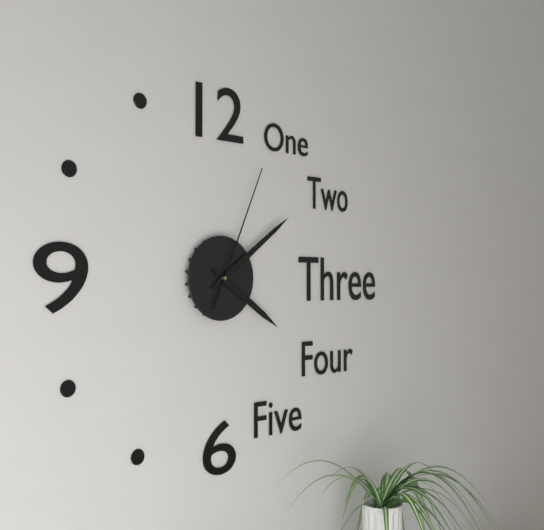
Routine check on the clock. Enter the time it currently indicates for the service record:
4:09:04
